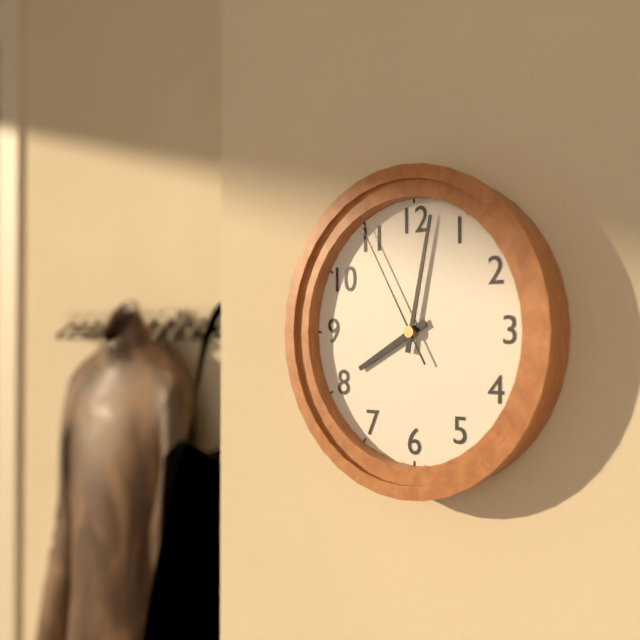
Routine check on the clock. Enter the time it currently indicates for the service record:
8:02:55
